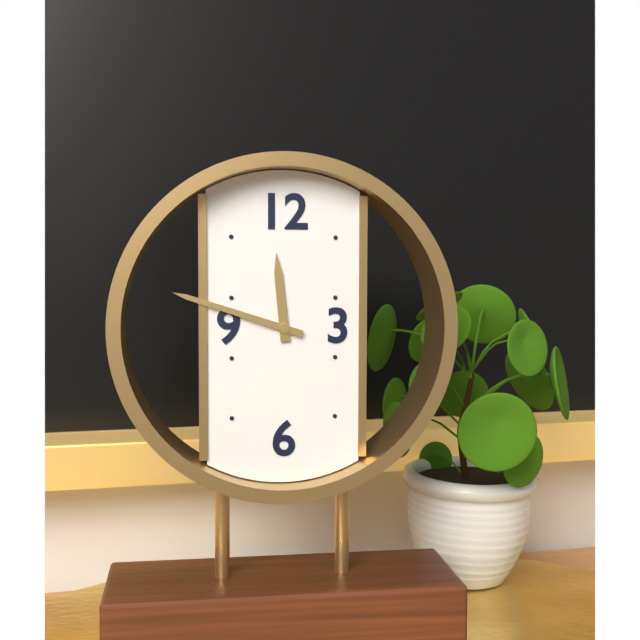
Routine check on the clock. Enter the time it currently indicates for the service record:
11:48
